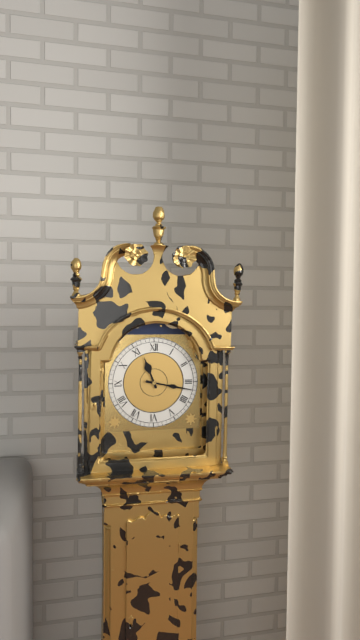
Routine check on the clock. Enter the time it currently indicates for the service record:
11:17
